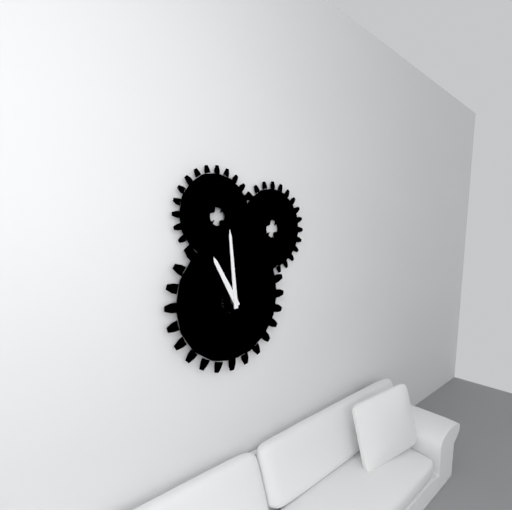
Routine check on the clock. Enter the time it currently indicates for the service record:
10:59
